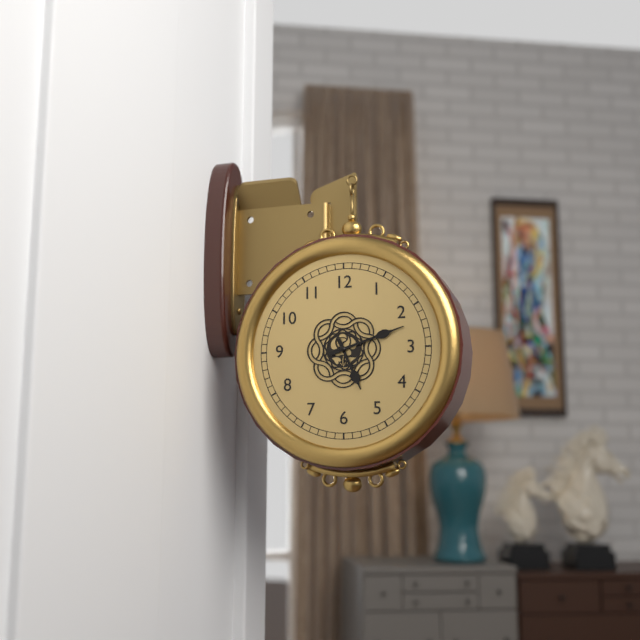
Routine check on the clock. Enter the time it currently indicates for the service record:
5:12
